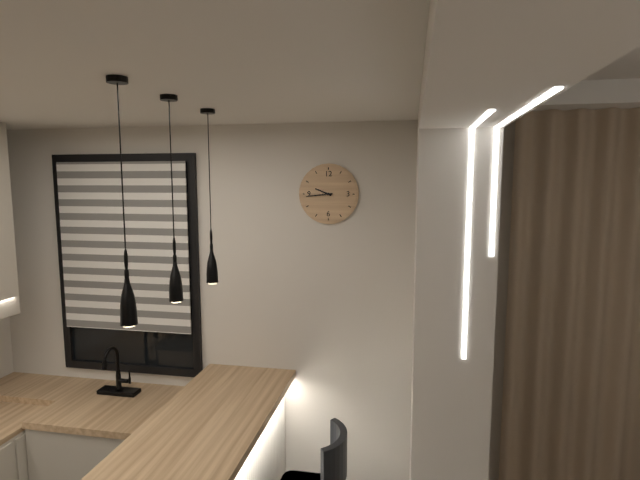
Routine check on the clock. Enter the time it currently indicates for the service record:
9:44
